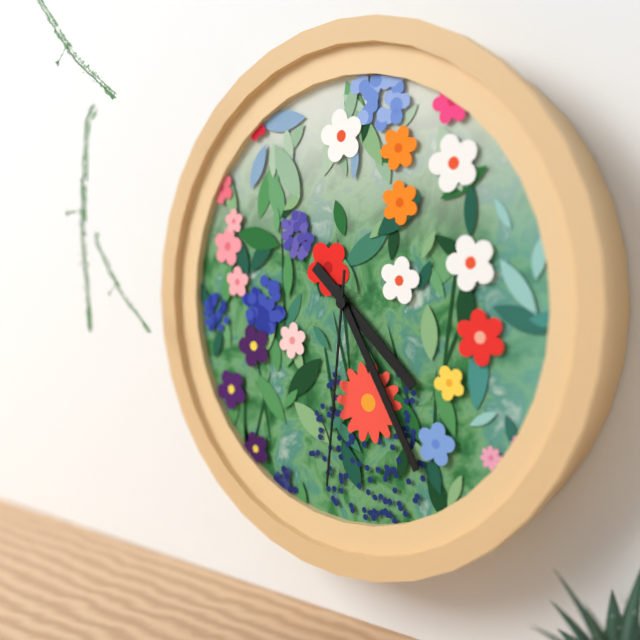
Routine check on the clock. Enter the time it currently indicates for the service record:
4:25:31
